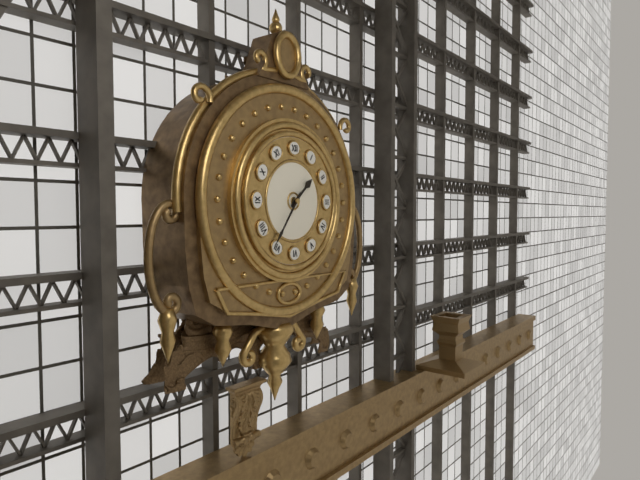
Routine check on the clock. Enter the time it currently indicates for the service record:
1:36
